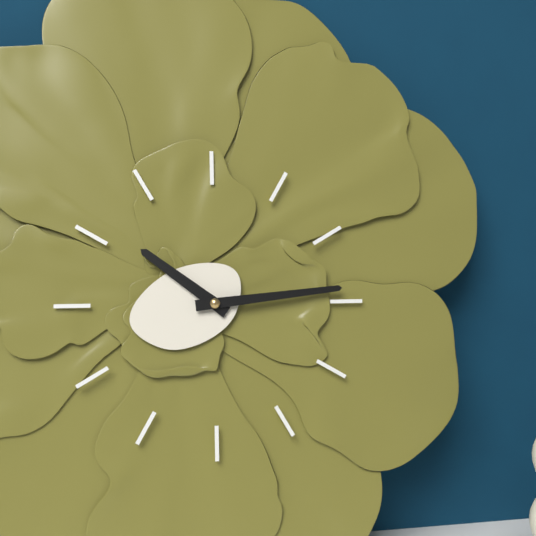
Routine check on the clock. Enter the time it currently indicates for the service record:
10:14
